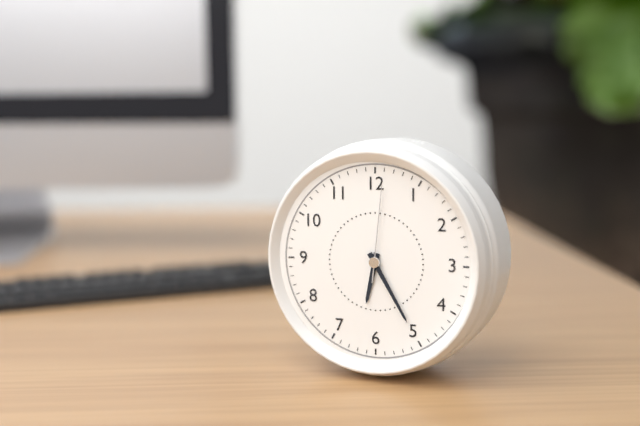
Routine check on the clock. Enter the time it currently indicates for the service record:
6:25:01
